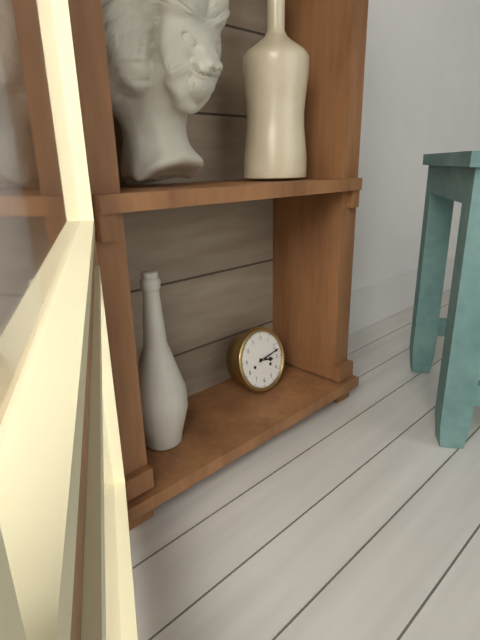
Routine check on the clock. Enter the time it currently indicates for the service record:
3:12
